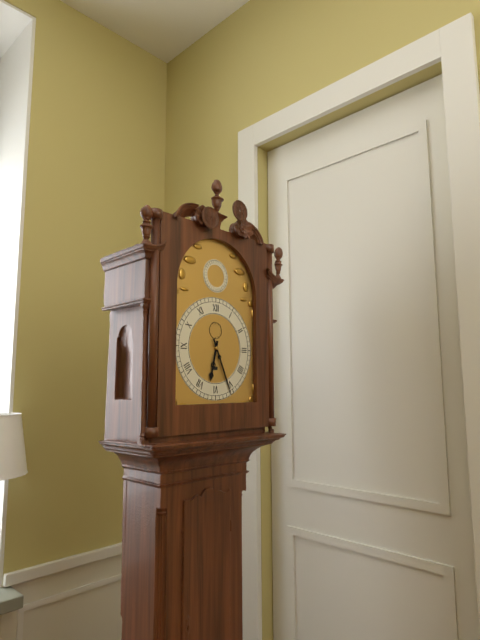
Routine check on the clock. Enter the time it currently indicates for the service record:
6:26
